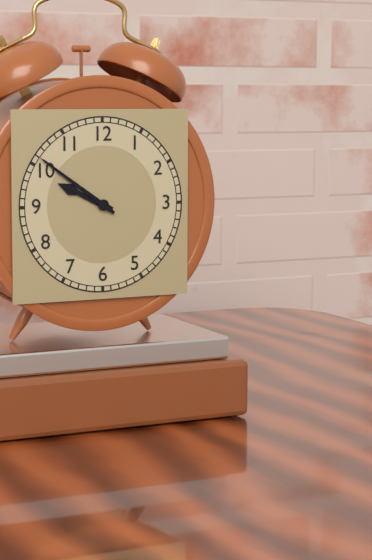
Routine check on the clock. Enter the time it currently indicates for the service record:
9:51
